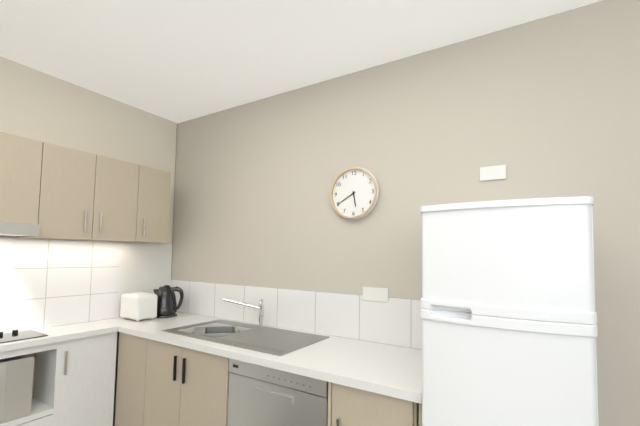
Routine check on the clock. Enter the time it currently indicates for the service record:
5:40
